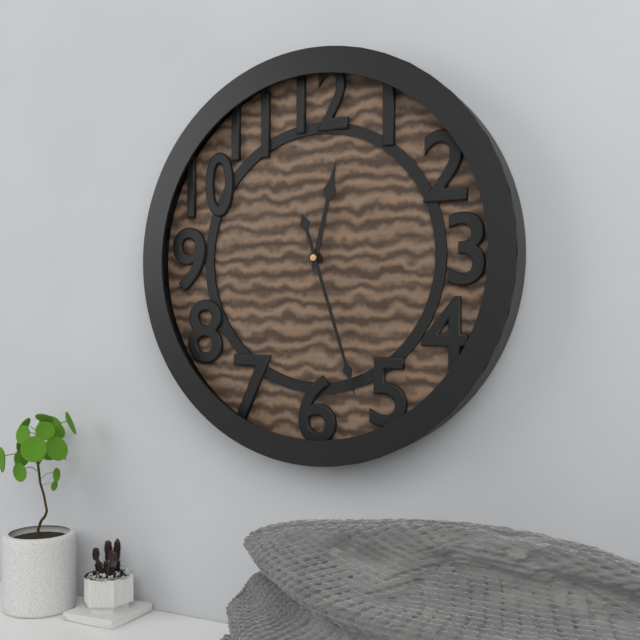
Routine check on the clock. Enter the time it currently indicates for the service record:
12:27
